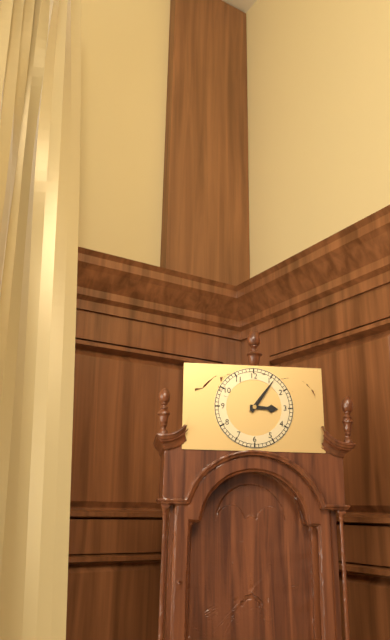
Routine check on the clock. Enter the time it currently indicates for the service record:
3:06
